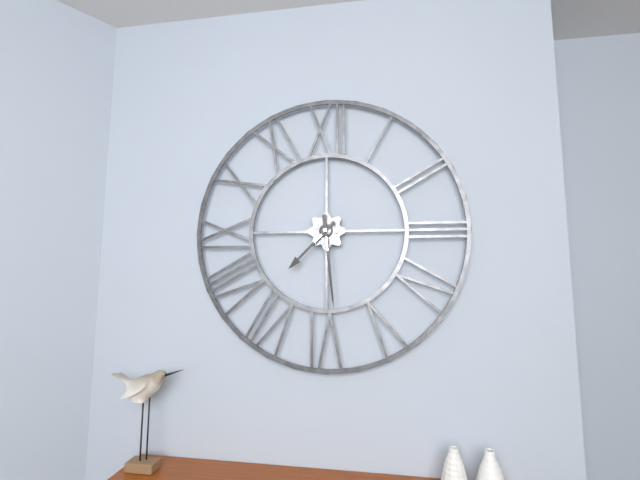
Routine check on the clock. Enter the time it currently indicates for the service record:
7:29
